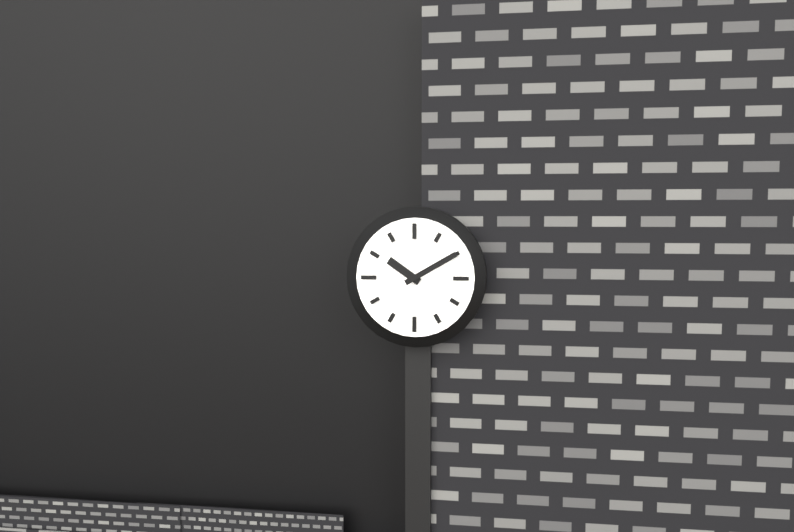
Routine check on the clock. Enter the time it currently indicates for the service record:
10:10
